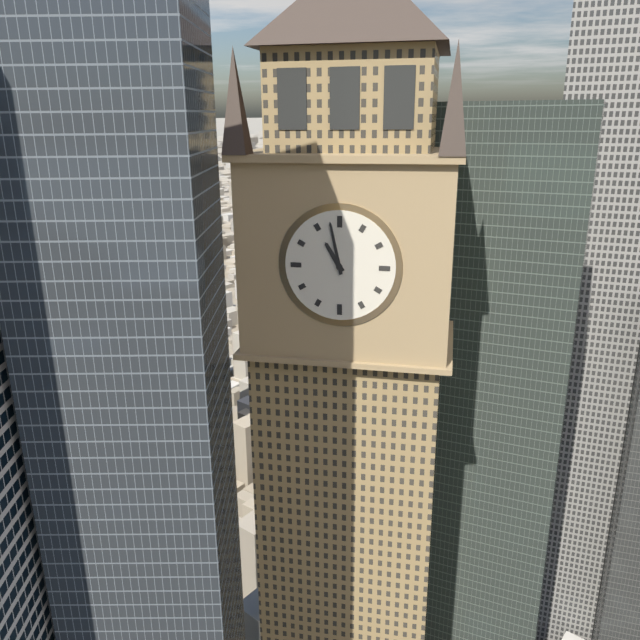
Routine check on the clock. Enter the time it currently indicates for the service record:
10:58
